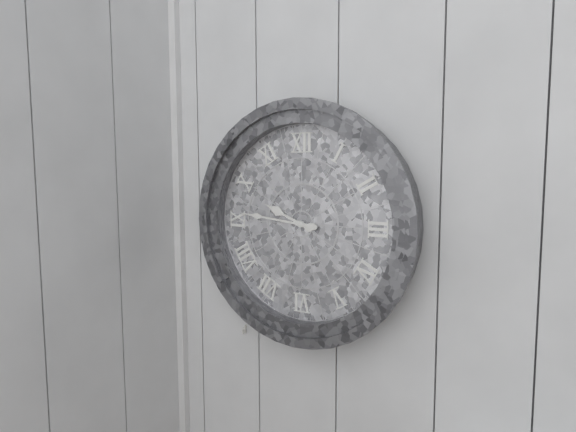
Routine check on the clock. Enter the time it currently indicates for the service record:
9:46
